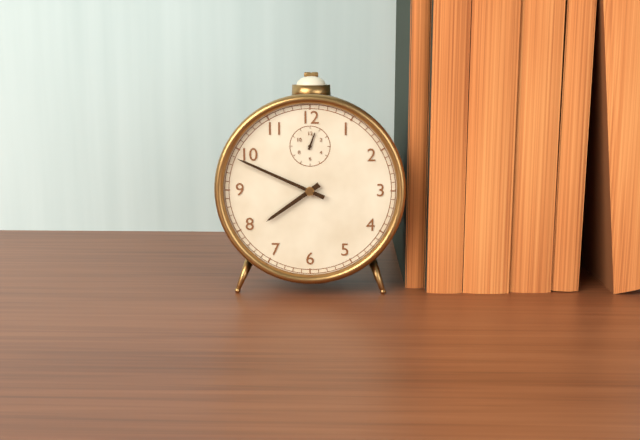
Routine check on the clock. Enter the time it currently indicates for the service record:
7:49
